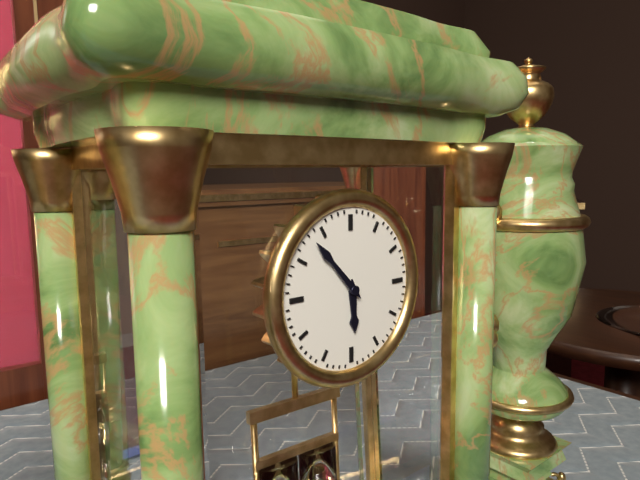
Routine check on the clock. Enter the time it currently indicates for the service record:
5:53
